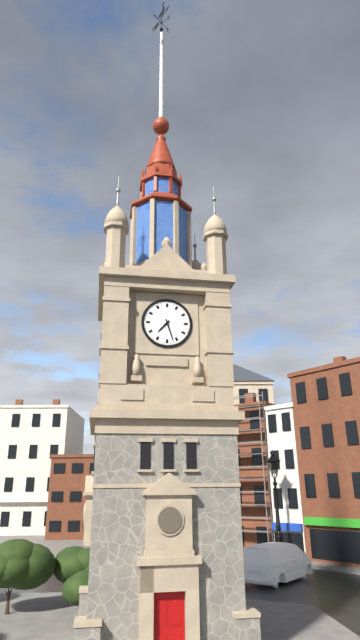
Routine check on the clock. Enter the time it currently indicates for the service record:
7:27
